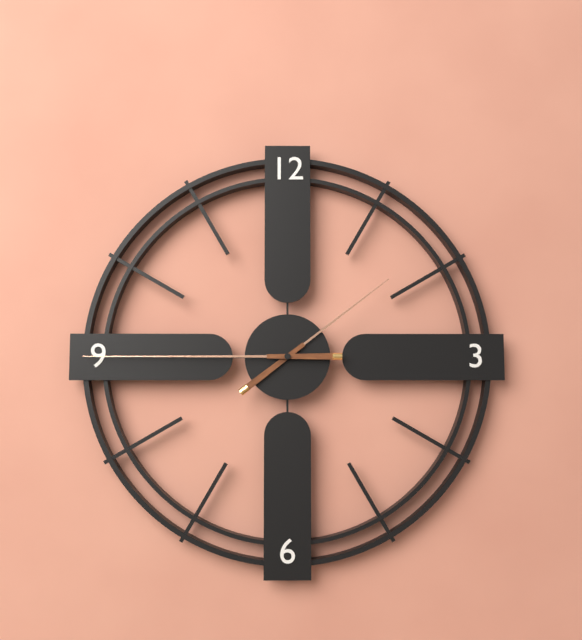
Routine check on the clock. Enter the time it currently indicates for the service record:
1:45
